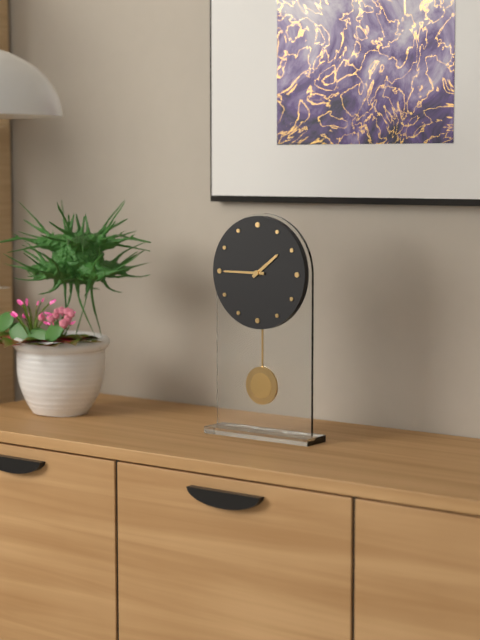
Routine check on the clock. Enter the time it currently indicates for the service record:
1:45
